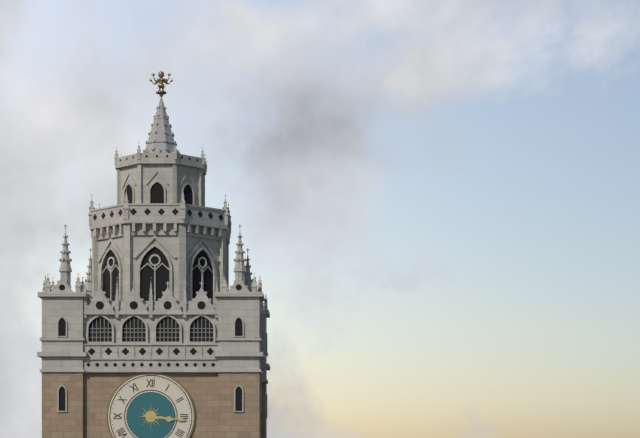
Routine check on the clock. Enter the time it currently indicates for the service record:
3:16
